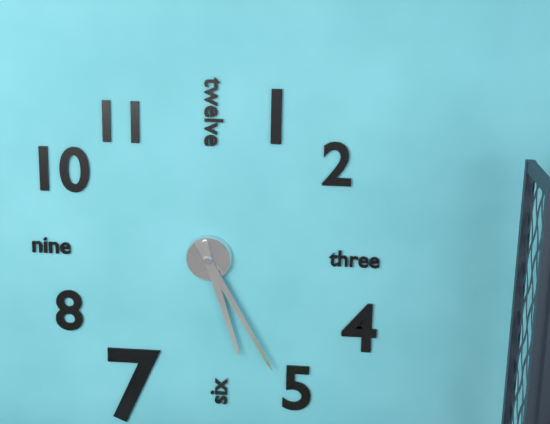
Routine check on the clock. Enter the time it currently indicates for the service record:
5:25
